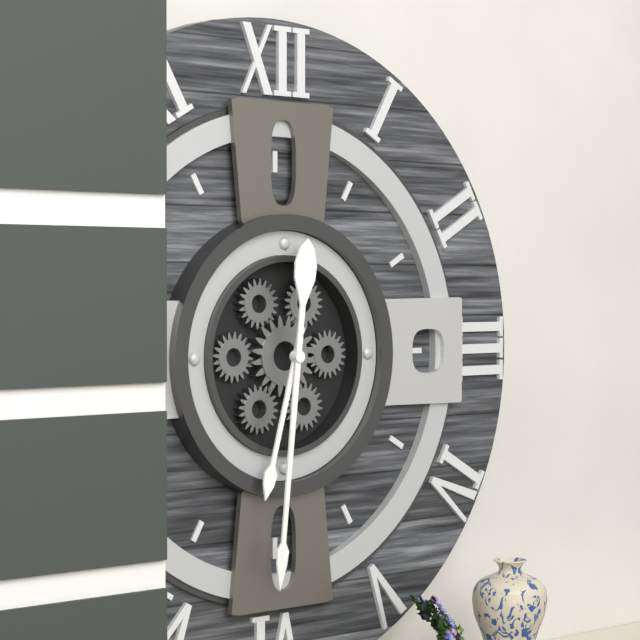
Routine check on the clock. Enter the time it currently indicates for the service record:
6:31
